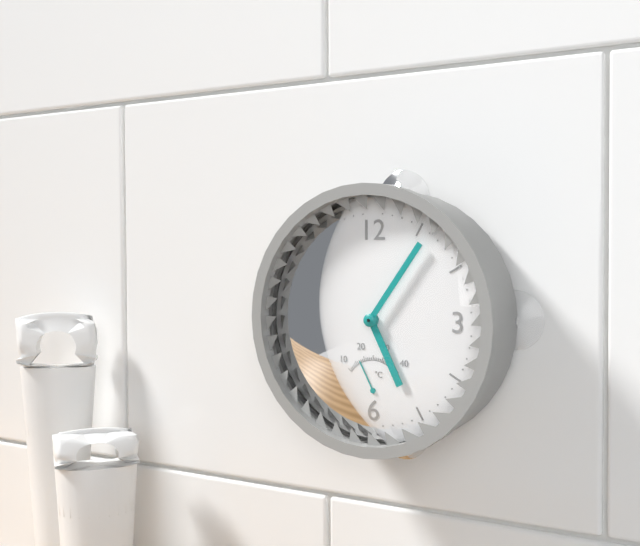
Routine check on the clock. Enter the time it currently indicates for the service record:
5:06
